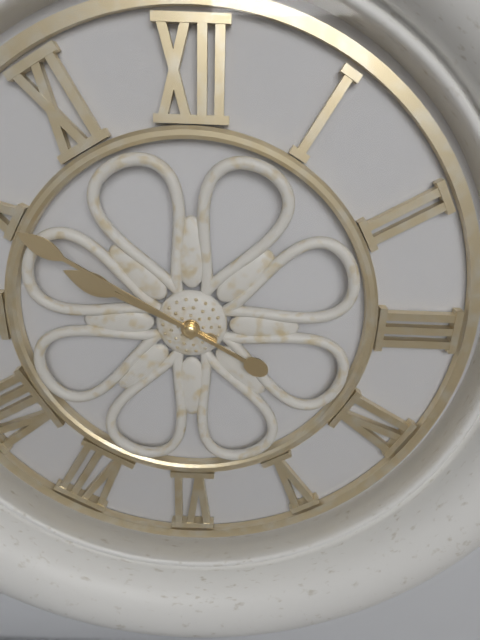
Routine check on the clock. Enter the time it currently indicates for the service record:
9:50
